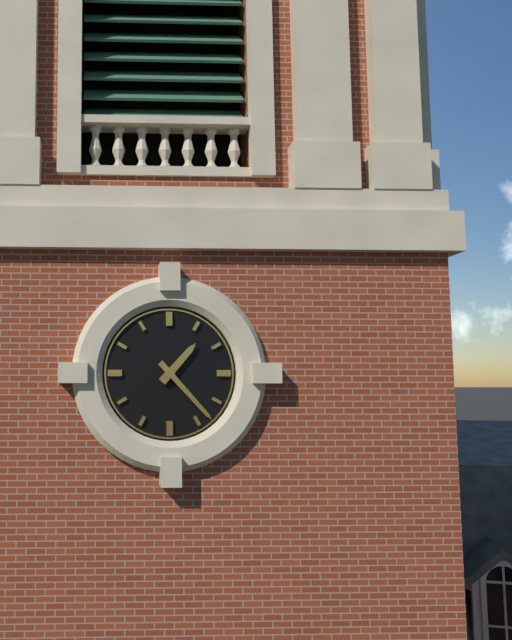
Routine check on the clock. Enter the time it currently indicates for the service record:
1:23
